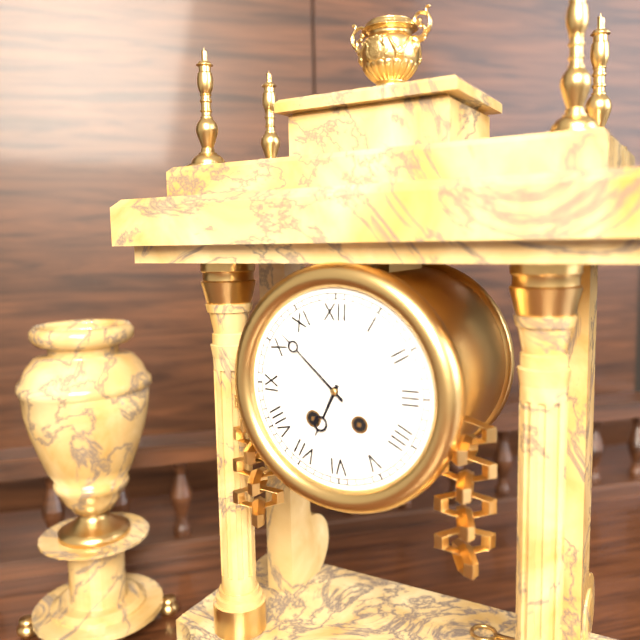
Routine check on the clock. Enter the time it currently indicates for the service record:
6:52
